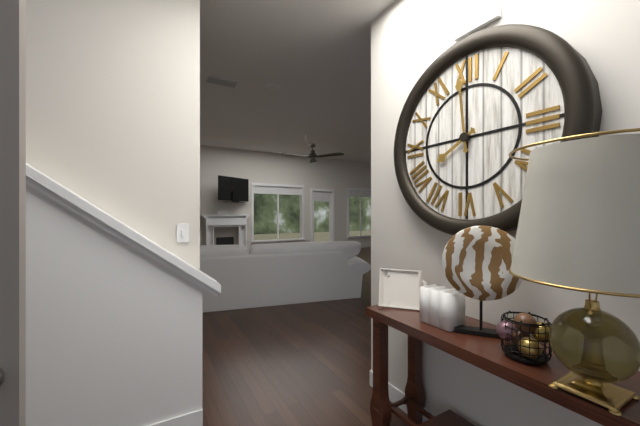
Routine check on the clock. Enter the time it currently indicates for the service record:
7:59
